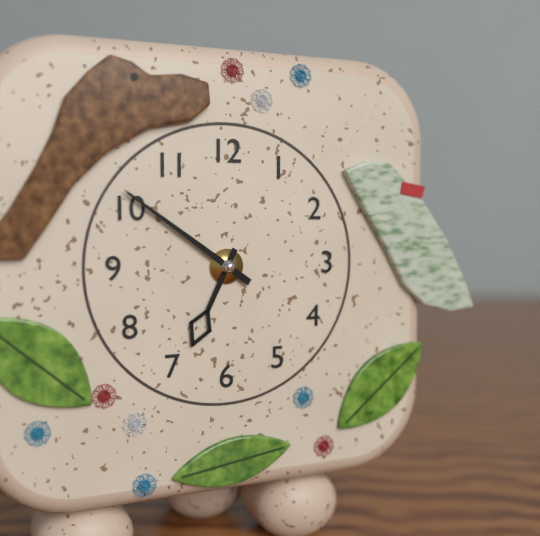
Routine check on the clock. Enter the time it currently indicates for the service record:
6:51
